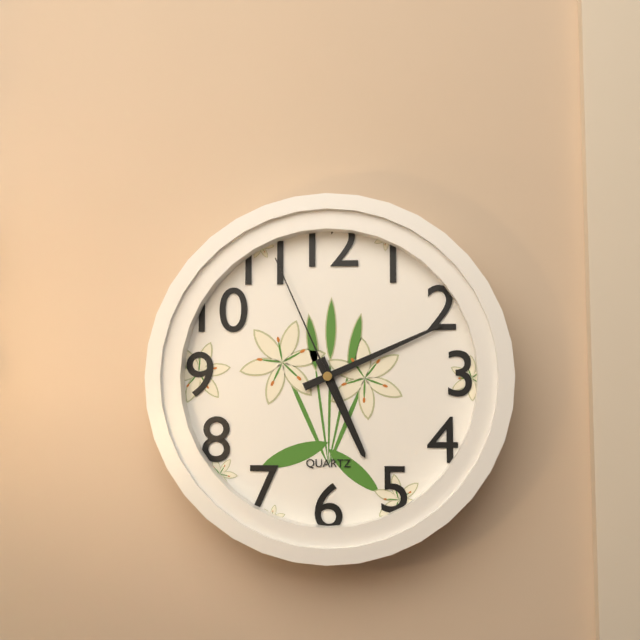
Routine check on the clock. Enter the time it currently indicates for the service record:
5:11:56
